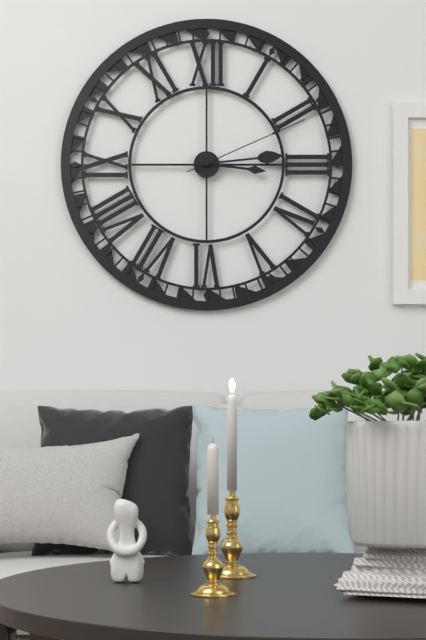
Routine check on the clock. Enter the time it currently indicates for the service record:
3:14:11
